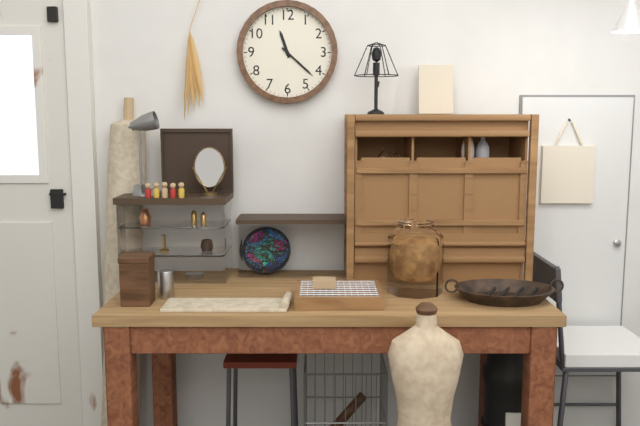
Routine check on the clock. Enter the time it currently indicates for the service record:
11:22
